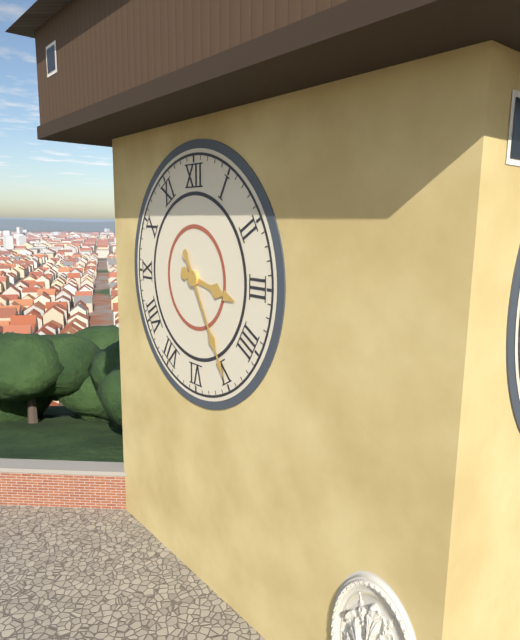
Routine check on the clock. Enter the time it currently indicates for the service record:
3:25
